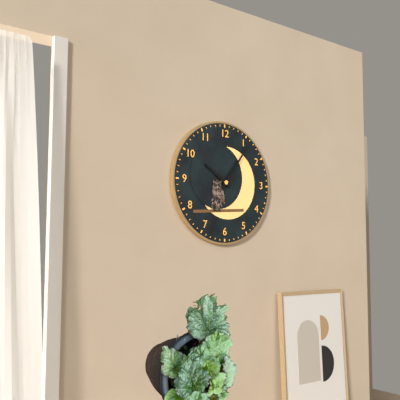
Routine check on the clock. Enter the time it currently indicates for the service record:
10:06
